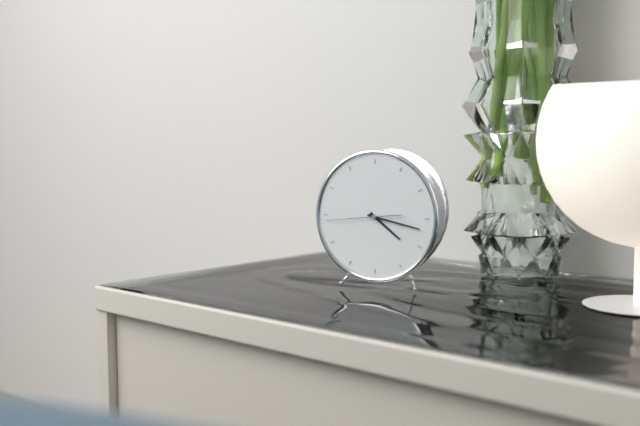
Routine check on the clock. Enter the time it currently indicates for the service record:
4:17:44
